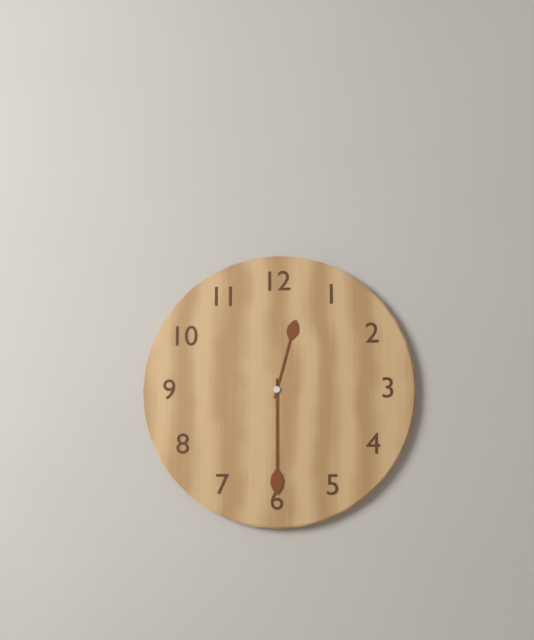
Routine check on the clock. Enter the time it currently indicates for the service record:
12:30
